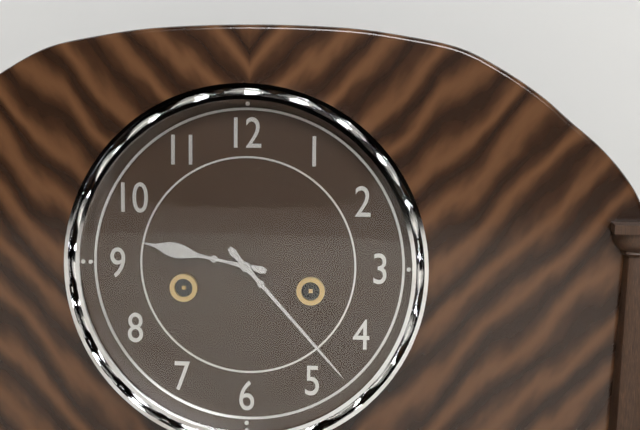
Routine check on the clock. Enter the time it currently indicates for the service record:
9:23
